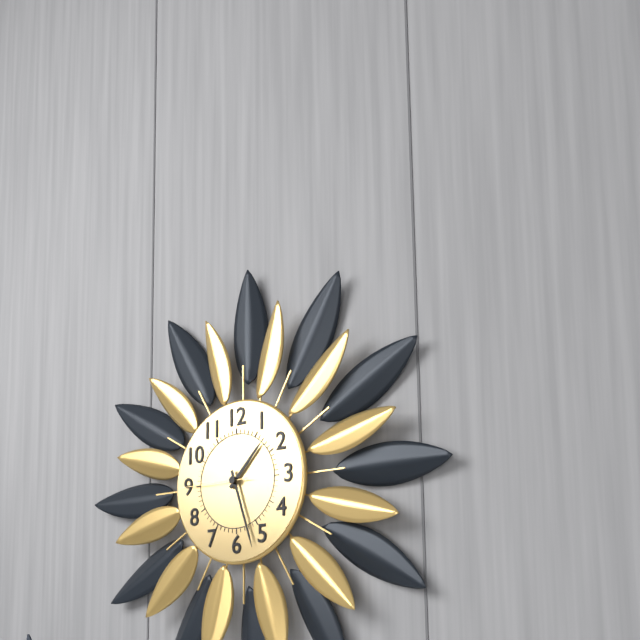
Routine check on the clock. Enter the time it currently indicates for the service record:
1:27:45
